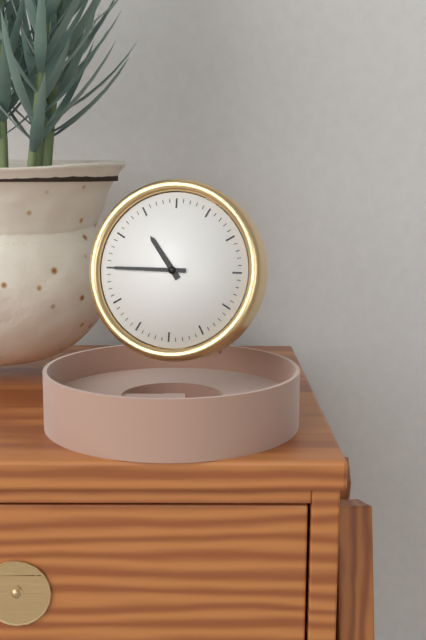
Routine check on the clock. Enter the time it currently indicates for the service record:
10:45
